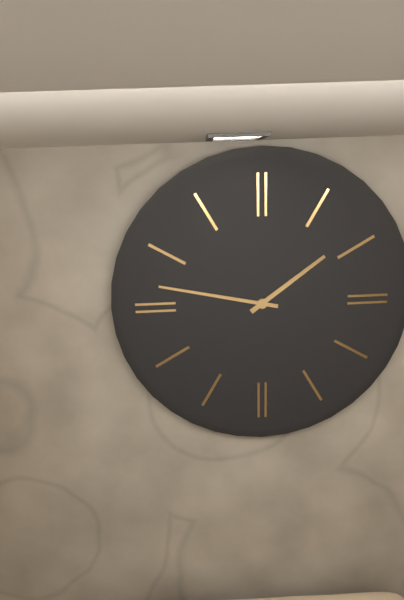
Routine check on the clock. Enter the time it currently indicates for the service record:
1:47
